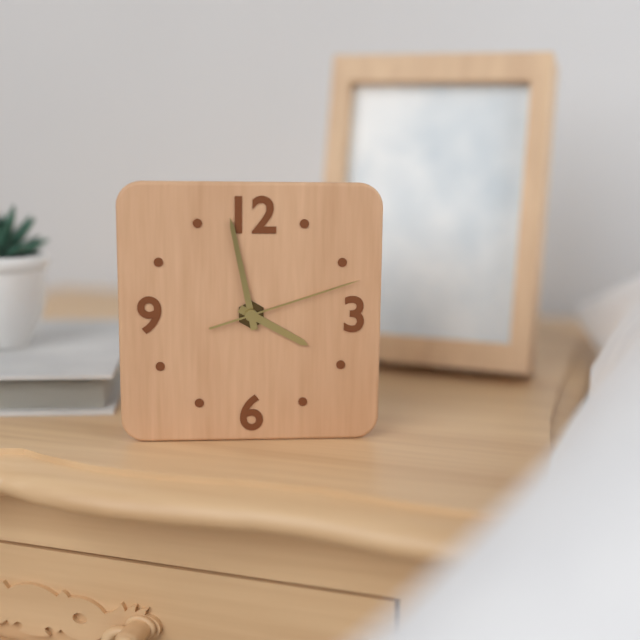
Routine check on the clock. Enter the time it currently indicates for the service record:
3:58:12
